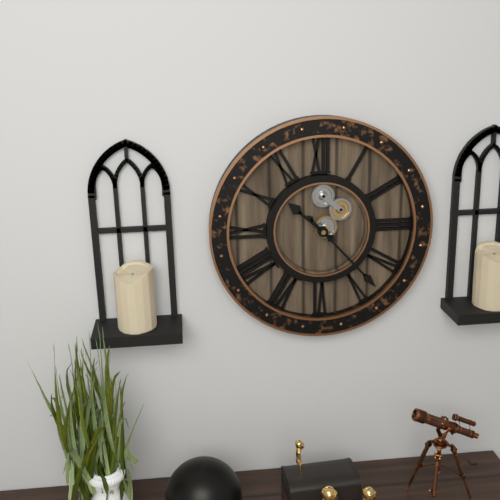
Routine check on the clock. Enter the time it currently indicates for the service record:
10:23
